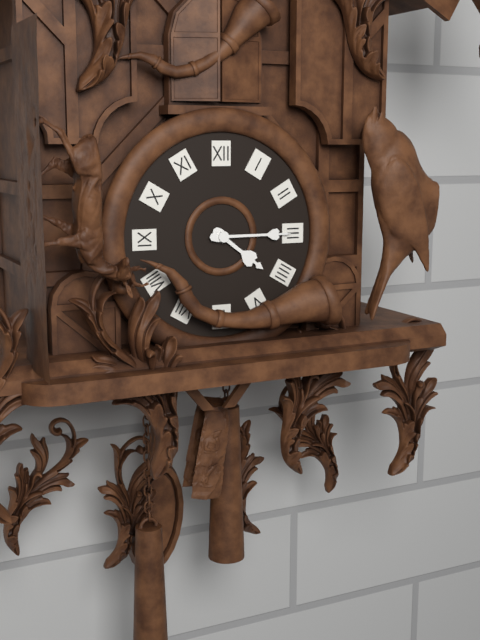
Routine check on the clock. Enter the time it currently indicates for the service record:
4:15
